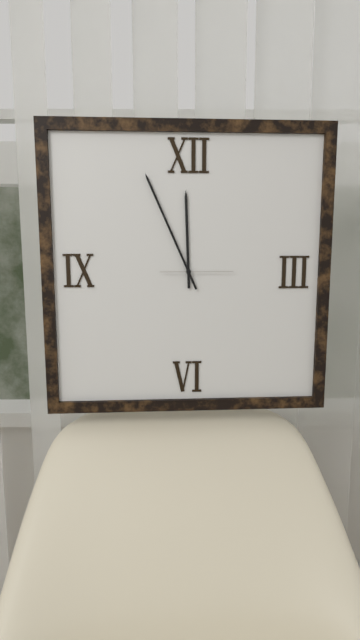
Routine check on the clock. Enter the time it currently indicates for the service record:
11:56:15
